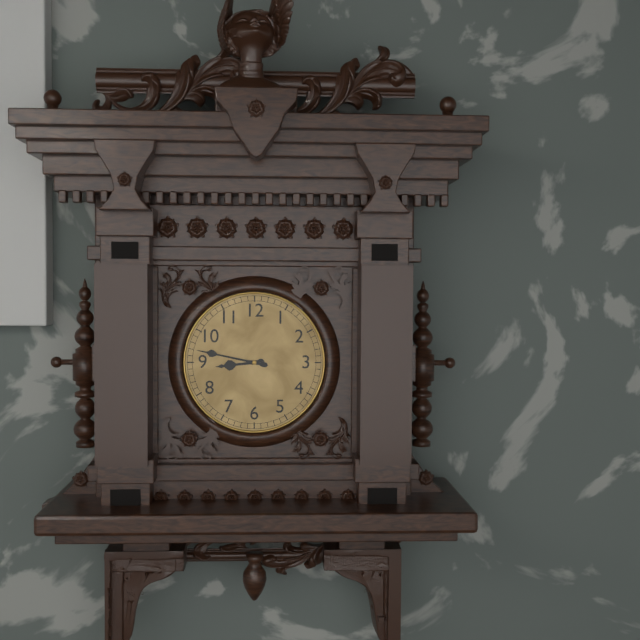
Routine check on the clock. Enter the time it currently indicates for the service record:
8:47
